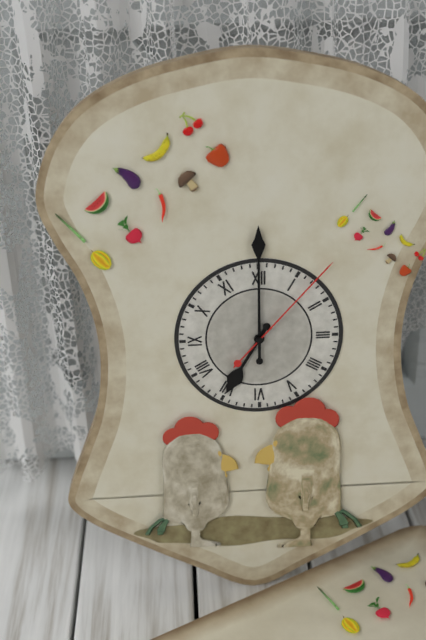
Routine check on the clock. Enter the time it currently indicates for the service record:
7:00:07
